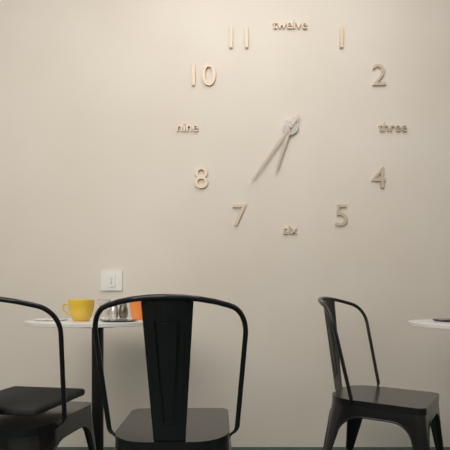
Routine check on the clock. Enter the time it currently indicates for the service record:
6:36
